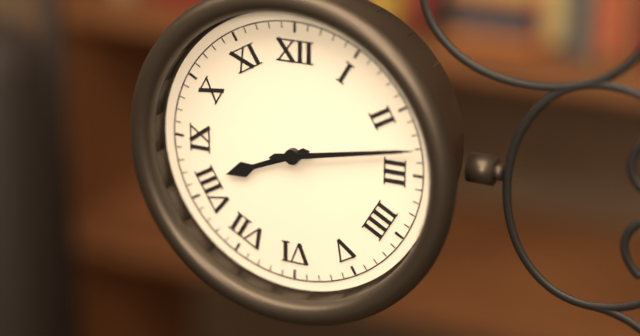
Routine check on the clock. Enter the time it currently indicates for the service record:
8:13
